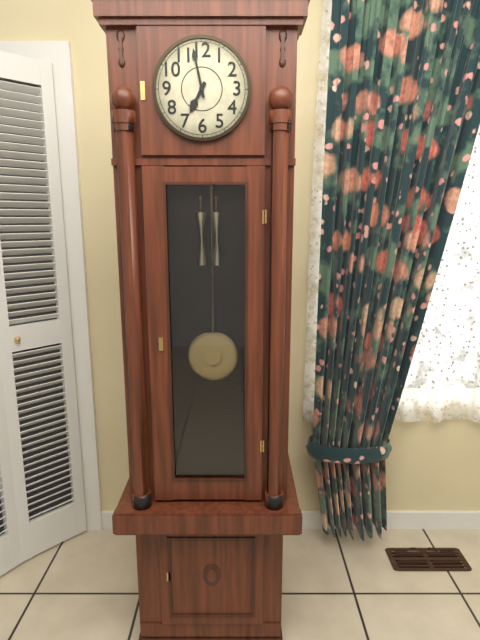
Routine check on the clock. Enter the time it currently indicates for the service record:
6:58
